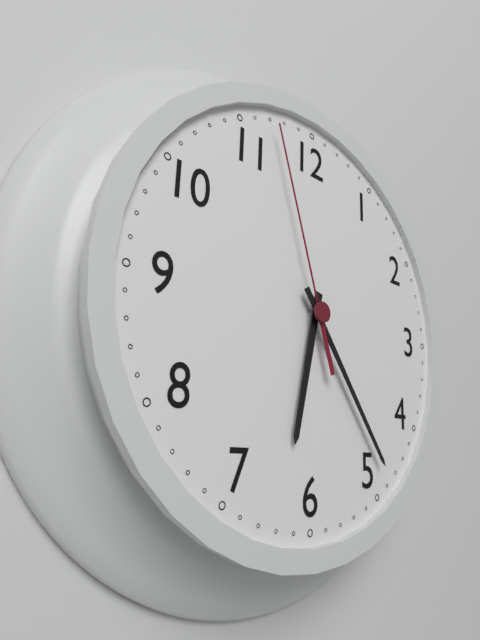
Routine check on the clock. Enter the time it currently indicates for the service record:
6:24:57
